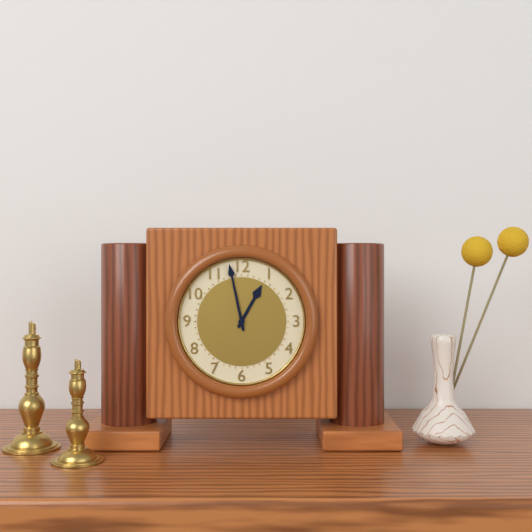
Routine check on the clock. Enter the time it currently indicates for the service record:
12:58
